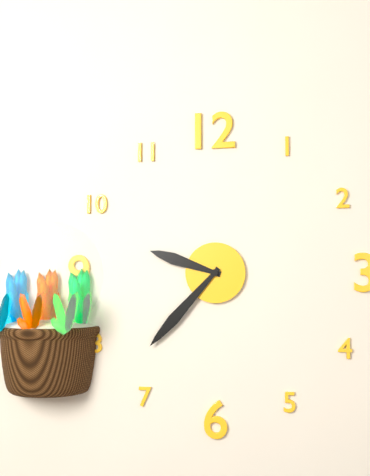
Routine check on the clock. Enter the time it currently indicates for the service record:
9:37
